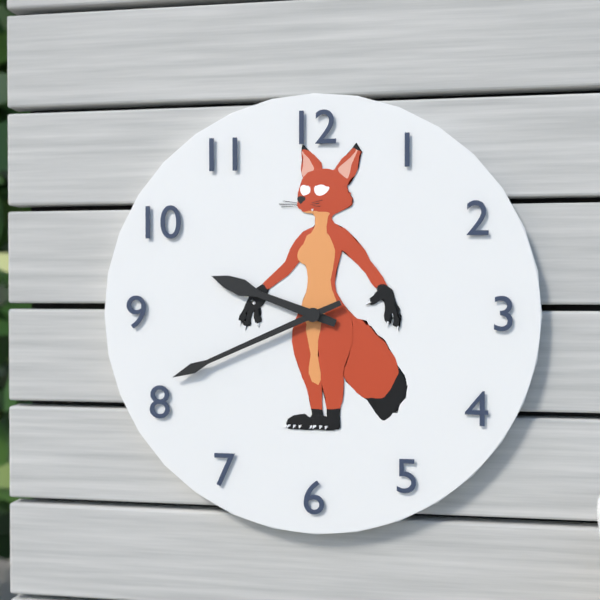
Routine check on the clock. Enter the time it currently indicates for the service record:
9:41
